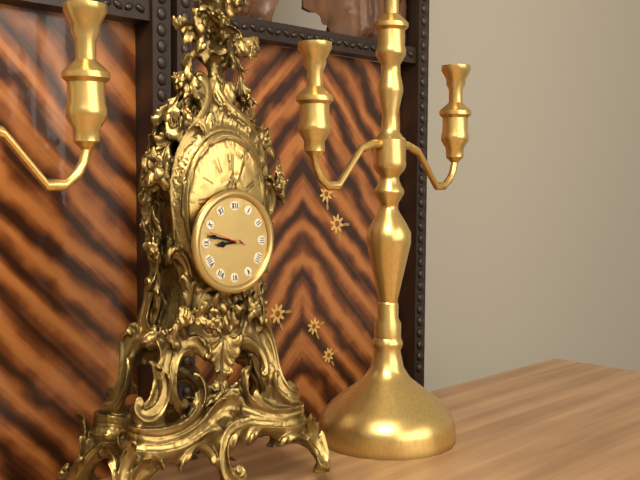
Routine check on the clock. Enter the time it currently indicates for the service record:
8:47
